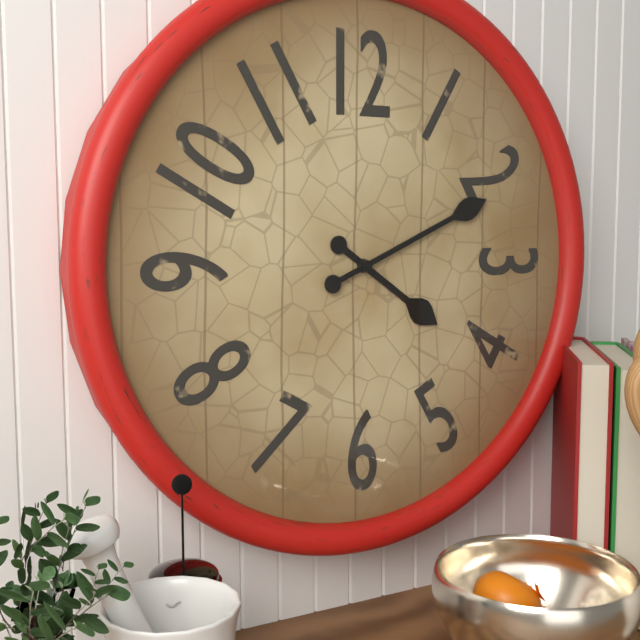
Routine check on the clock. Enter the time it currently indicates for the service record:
4:11
